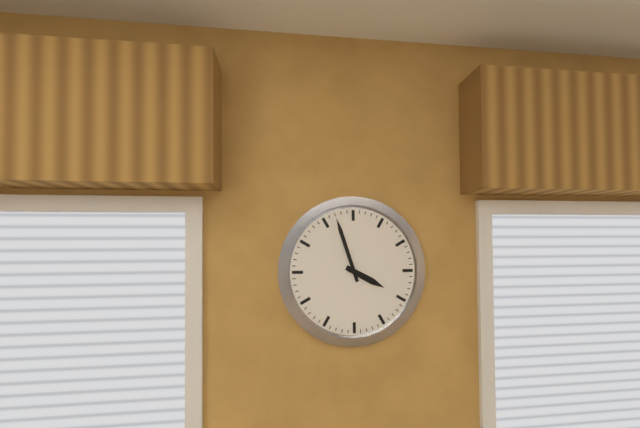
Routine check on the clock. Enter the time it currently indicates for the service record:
3:57
